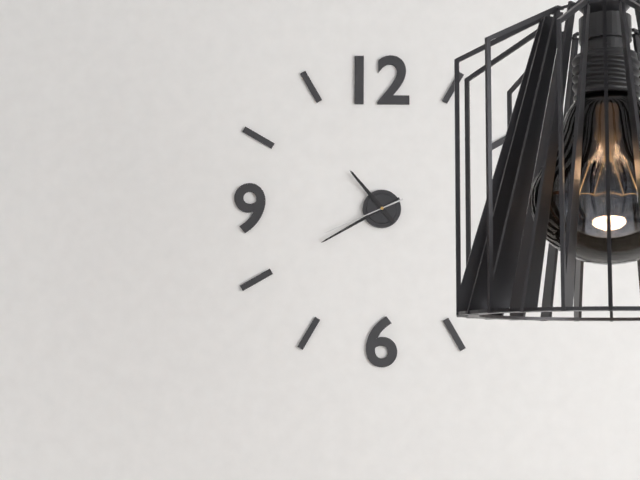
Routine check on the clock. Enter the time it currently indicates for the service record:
10:40:41
